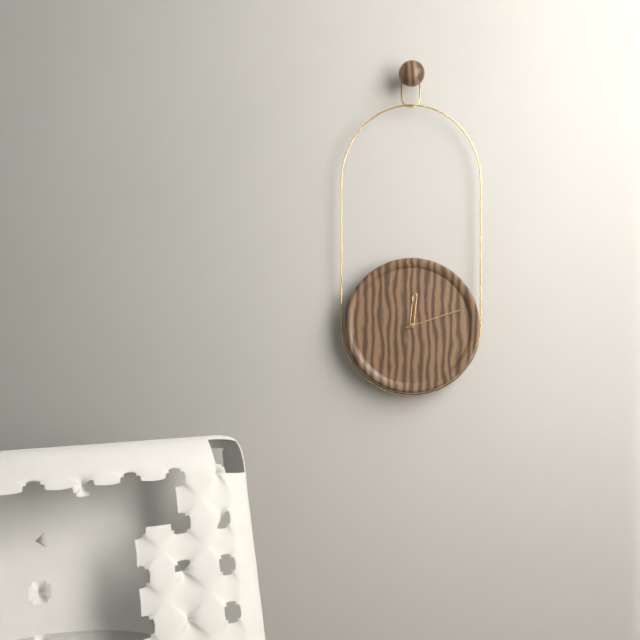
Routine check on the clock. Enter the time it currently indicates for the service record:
12:12
